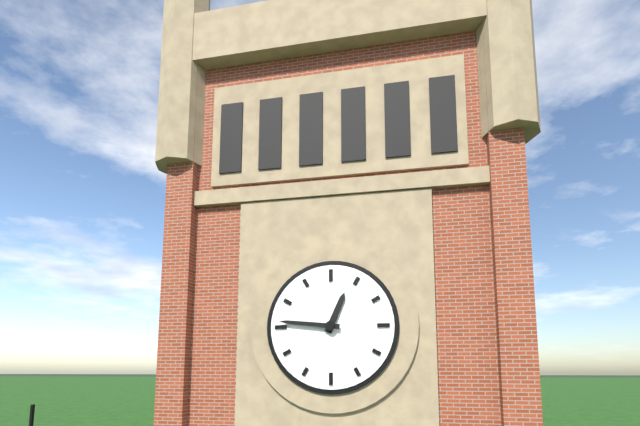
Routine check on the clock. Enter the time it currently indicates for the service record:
12:46
